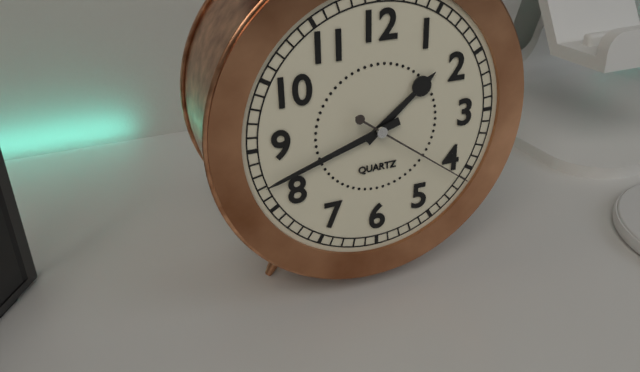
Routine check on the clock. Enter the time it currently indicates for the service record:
1:42:21
